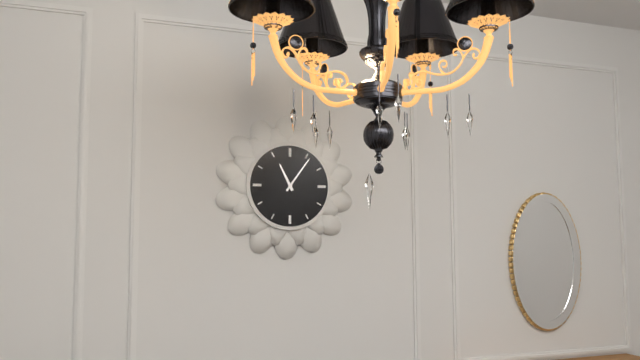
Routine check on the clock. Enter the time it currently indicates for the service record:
11:06
